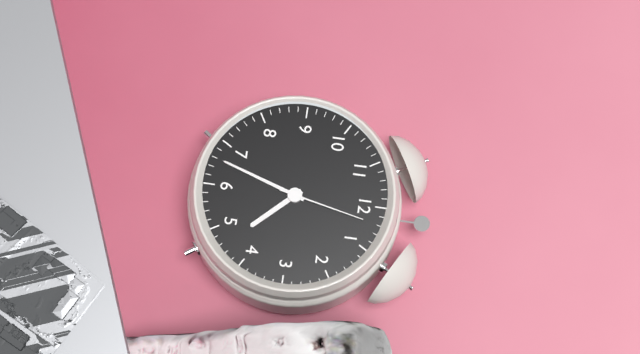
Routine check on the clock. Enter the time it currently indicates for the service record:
4:33:02
